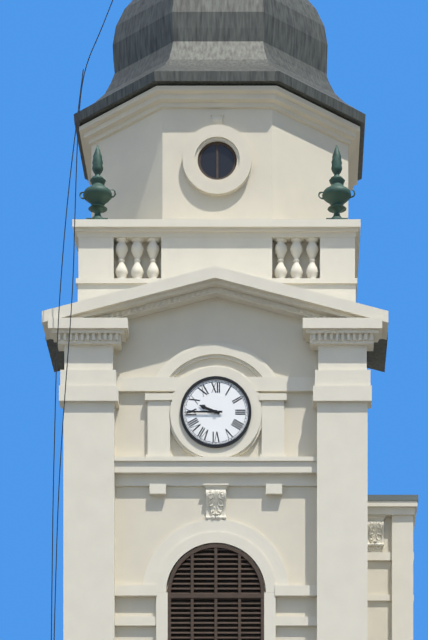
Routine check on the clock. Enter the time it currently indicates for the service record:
9:45
